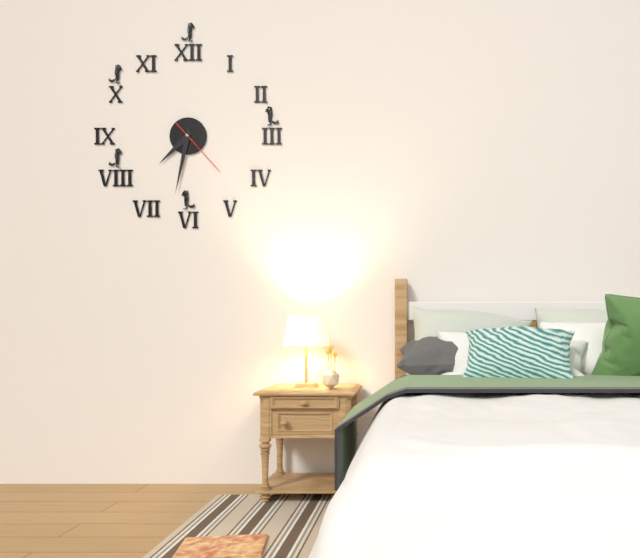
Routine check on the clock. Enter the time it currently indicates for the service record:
7:32:23
